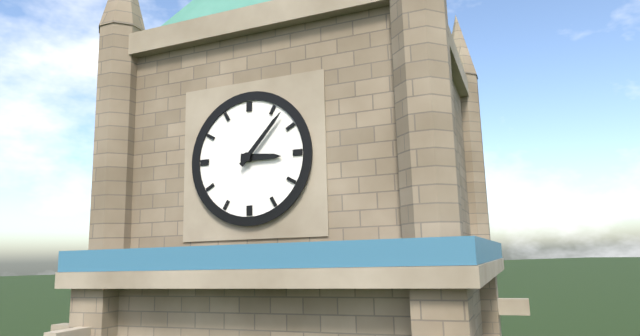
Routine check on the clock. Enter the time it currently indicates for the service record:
3:07
